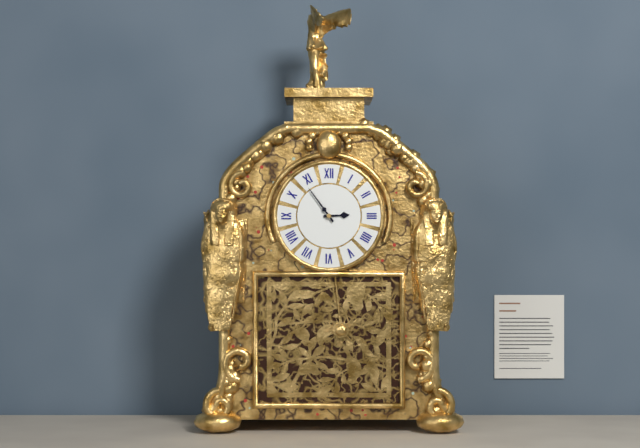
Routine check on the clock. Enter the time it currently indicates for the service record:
2:54
